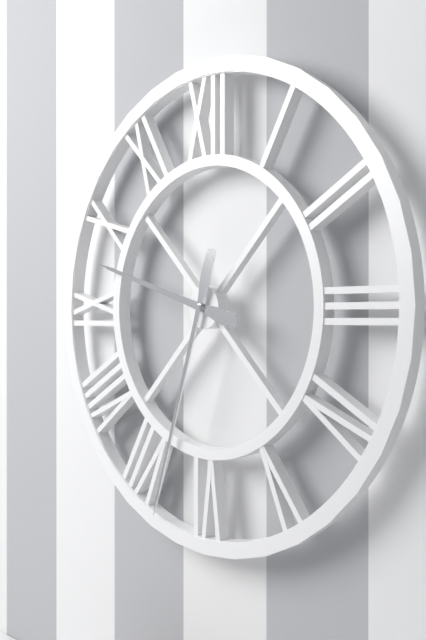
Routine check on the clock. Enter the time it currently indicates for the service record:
9:33
